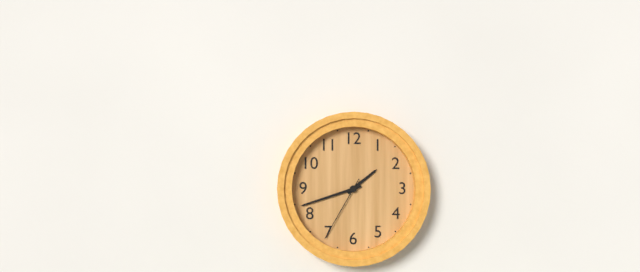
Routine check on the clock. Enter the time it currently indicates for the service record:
1:42:35
